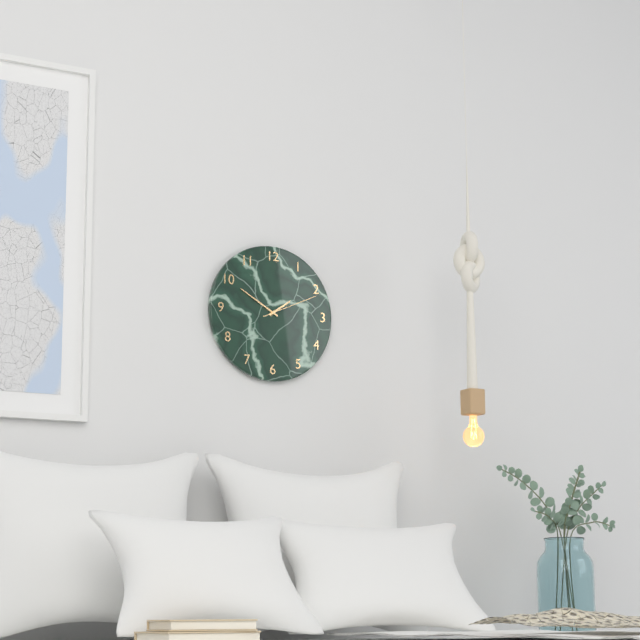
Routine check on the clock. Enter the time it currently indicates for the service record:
1:50:11
